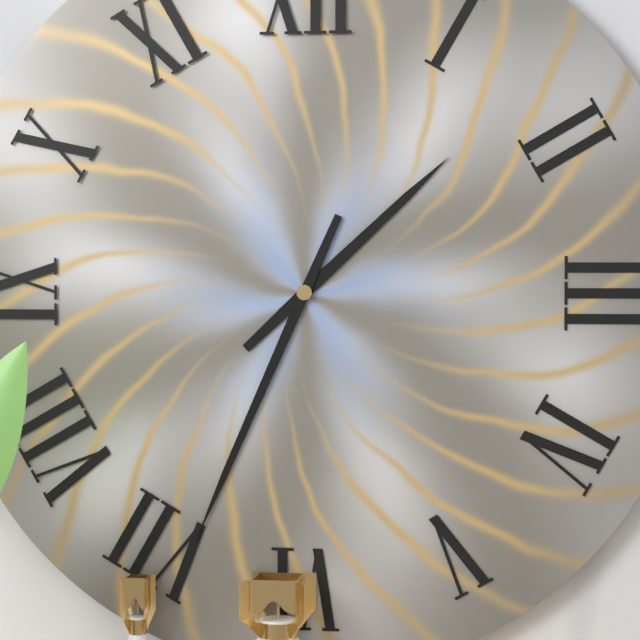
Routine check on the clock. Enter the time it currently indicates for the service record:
1:34
